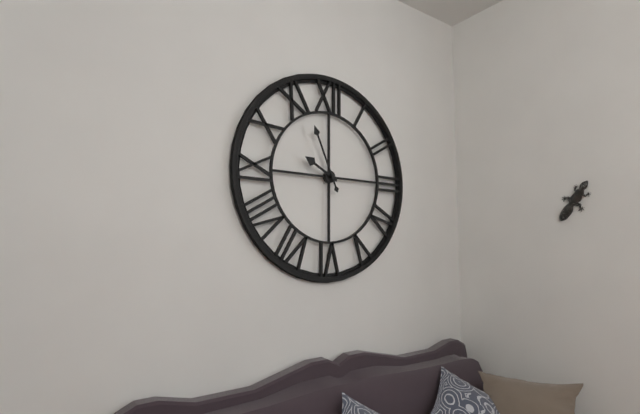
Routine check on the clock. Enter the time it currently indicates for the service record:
9:56
